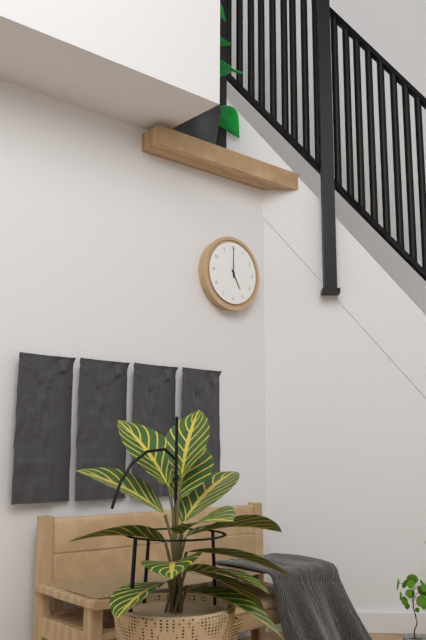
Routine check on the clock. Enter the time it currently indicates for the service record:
5:00
